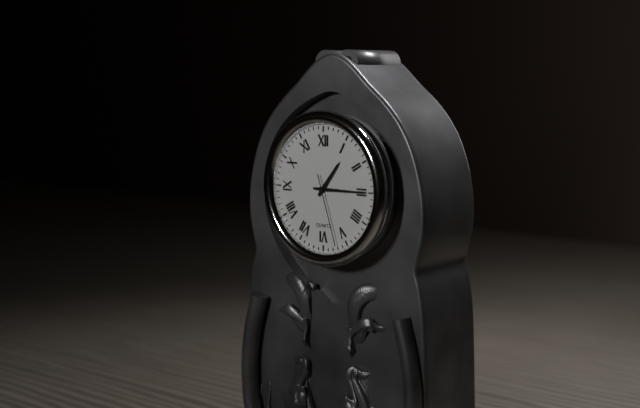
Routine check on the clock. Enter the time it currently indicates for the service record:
1:15:27
